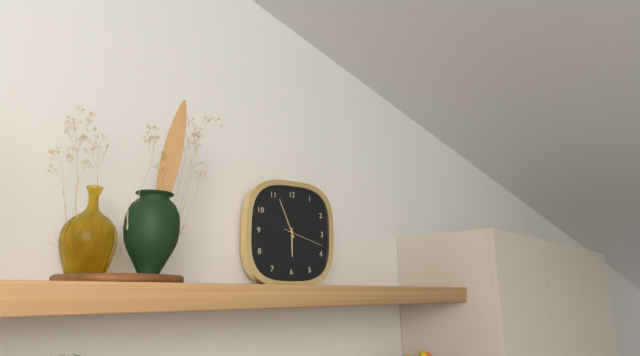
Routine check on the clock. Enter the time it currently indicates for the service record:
5:56
